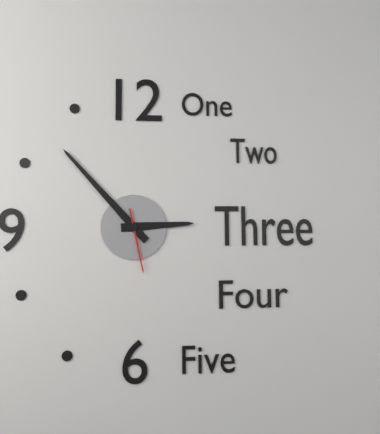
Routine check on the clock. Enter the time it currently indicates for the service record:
2:53:28
